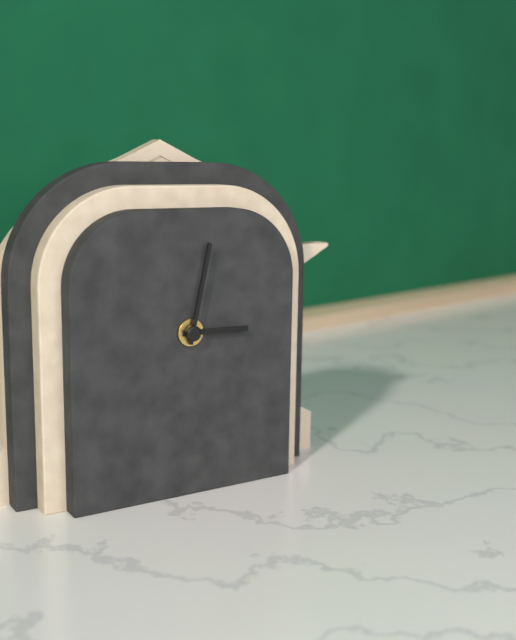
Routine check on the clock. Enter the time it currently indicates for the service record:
3:02
